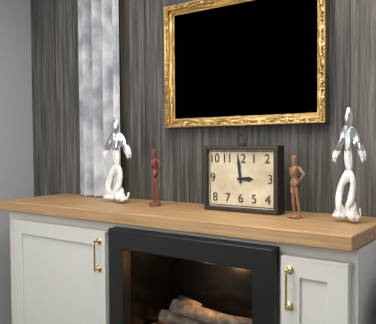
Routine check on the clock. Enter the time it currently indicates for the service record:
2:59
